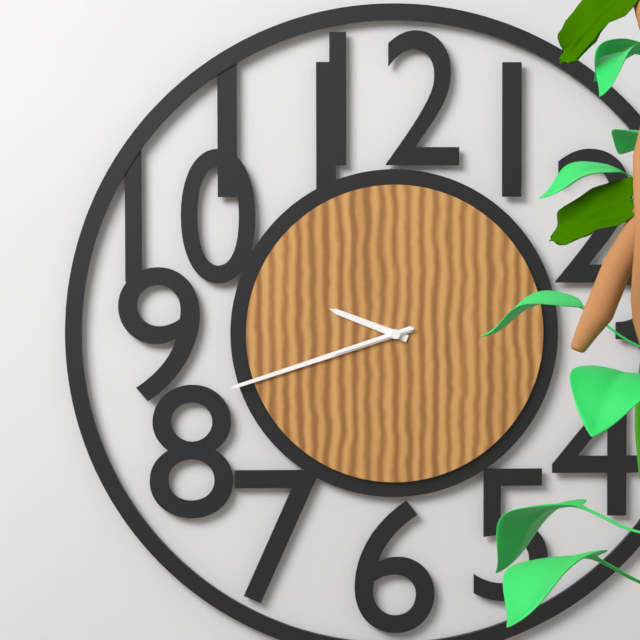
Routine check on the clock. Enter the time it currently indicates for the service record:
9:42:42
